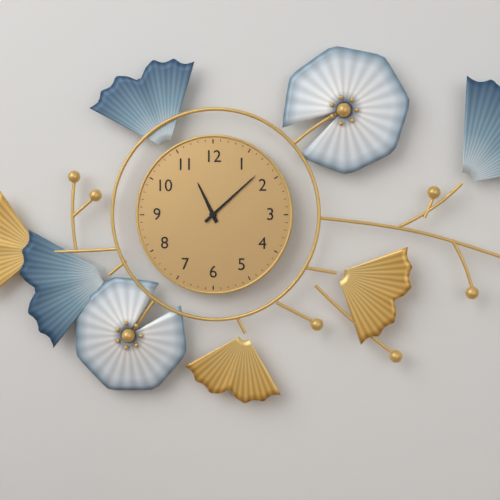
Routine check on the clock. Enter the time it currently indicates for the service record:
11:08
